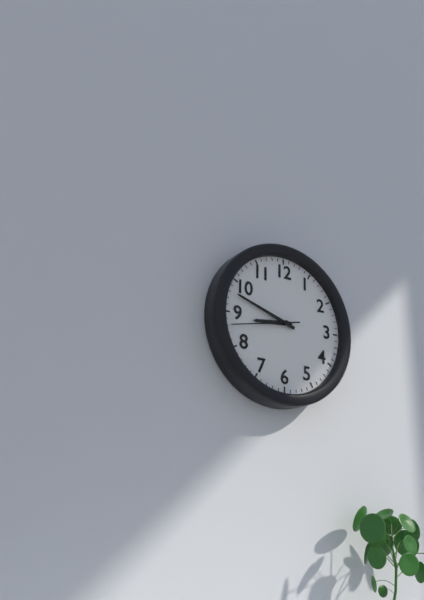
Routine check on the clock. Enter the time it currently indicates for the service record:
8:48:43
